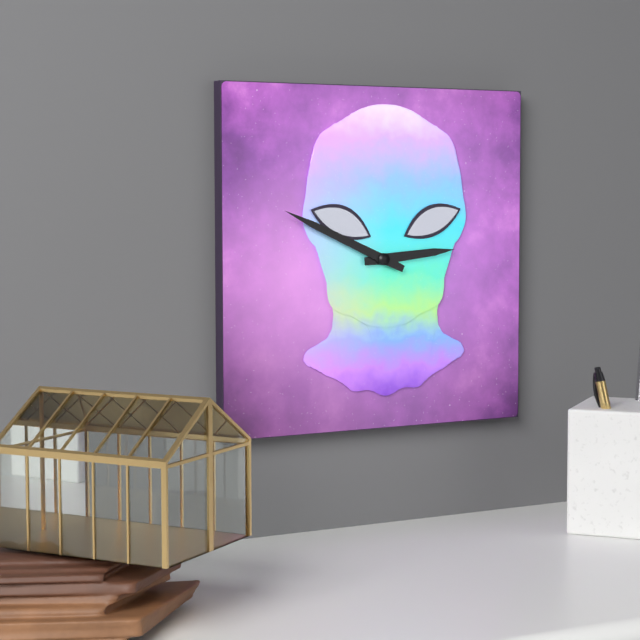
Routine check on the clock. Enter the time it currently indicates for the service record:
2:49
